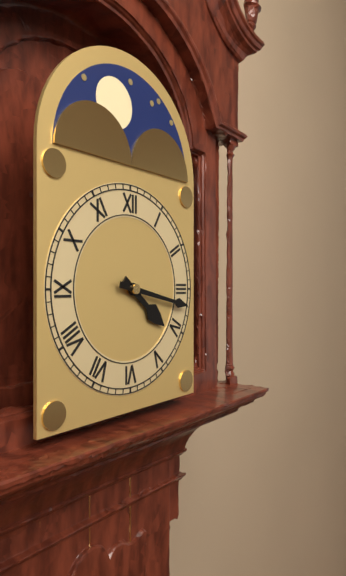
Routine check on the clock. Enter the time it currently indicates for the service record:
4:17
